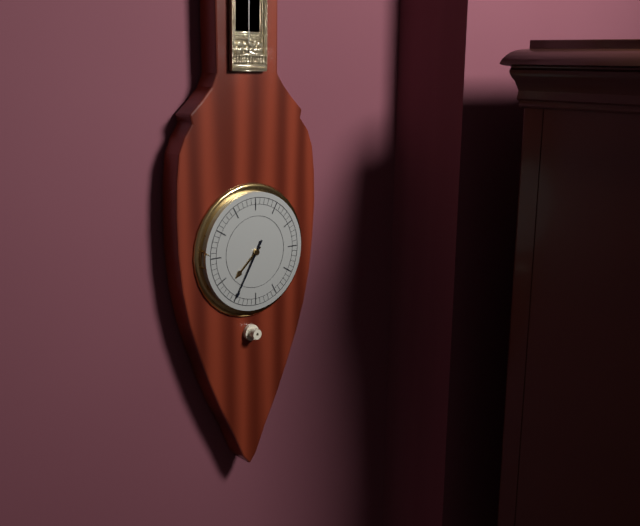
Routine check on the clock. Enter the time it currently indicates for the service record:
7:35
